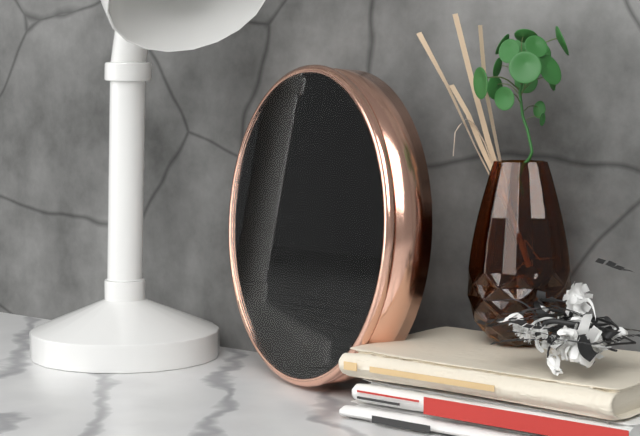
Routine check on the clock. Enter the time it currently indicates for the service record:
9:32:48
